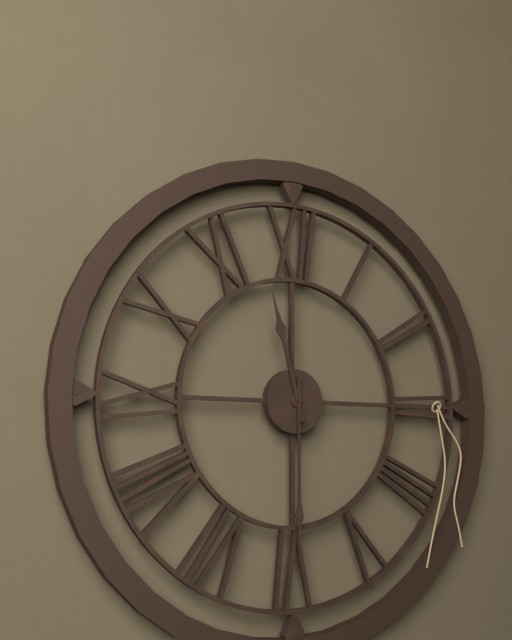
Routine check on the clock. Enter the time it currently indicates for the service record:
11:30
